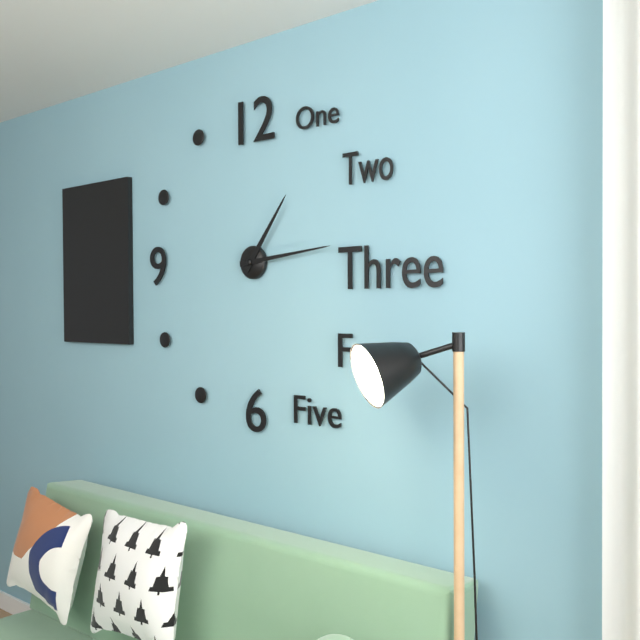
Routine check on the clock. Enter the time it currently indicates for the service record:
1:14
